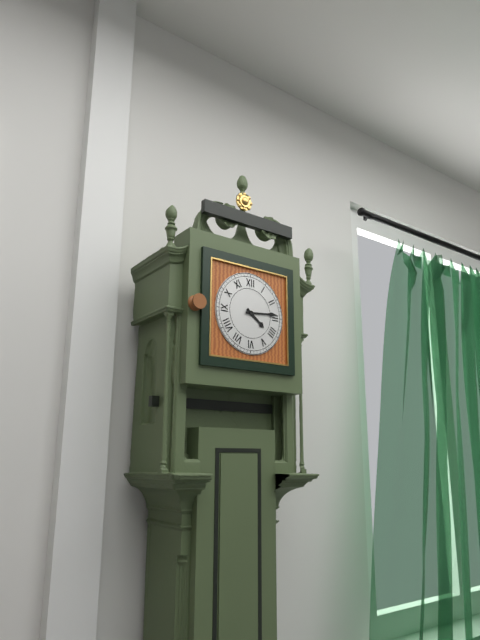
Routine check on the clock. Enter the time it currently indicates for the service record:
4:14
